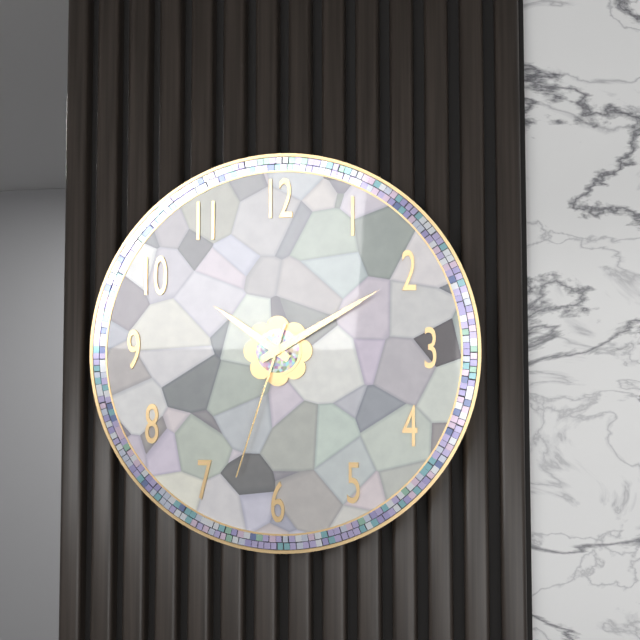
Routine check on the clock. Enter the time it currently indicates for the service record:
10:10:33
